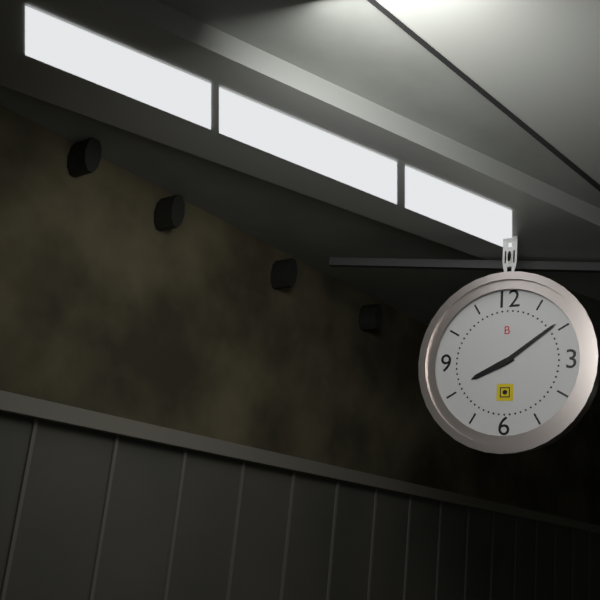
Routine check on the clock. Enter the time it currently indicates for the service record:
8:09
